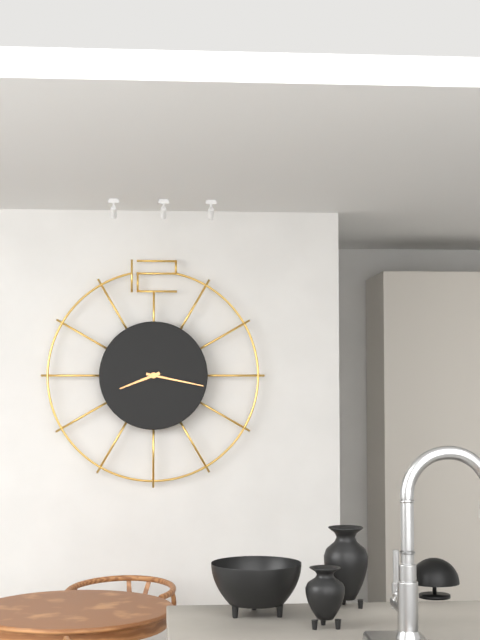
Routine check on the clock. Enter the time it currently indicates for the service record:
8:17
